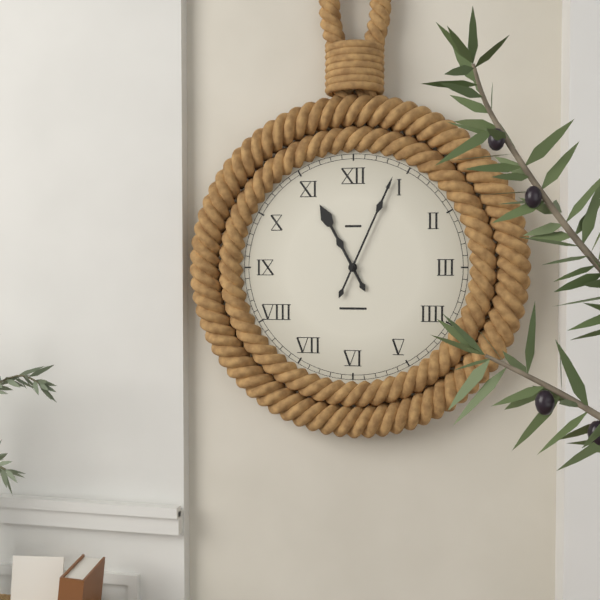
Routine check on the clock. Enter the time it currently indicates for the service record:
11:04
